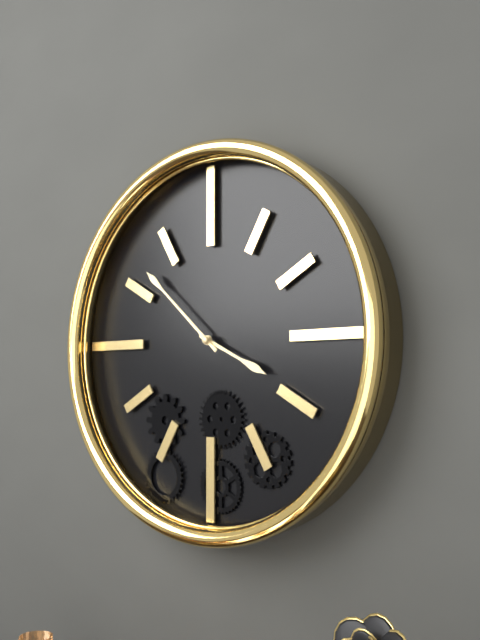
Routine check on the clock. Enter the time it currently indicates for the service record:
3:52
